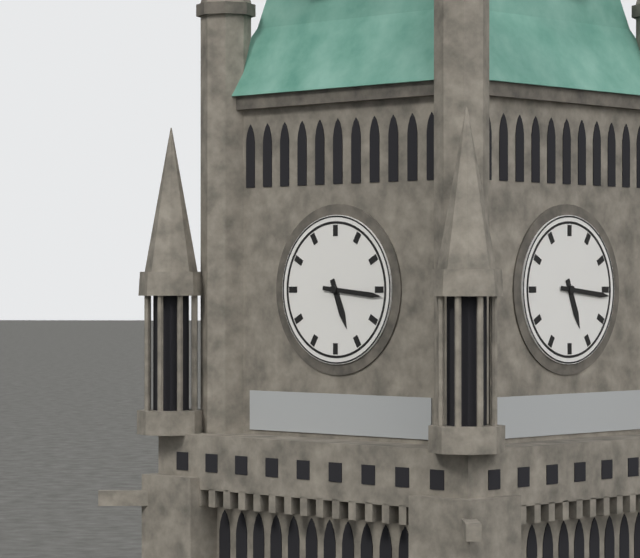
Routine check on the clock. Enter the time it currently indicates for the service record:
5:16
